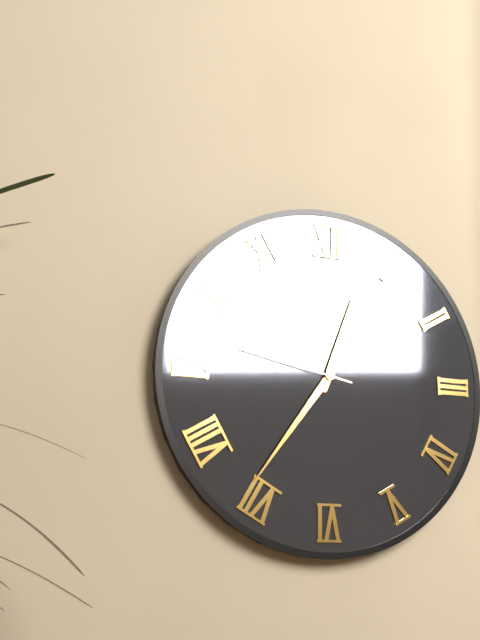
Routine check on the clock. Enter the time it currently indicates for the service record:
12:36:47
